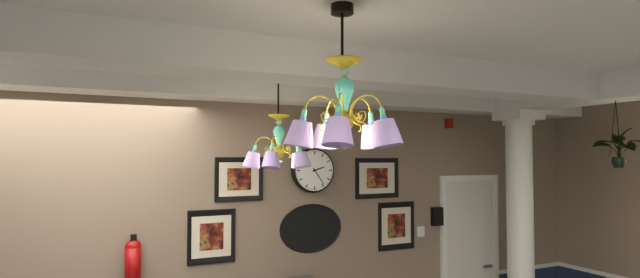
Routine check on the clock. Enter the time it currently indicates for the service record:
2:24
